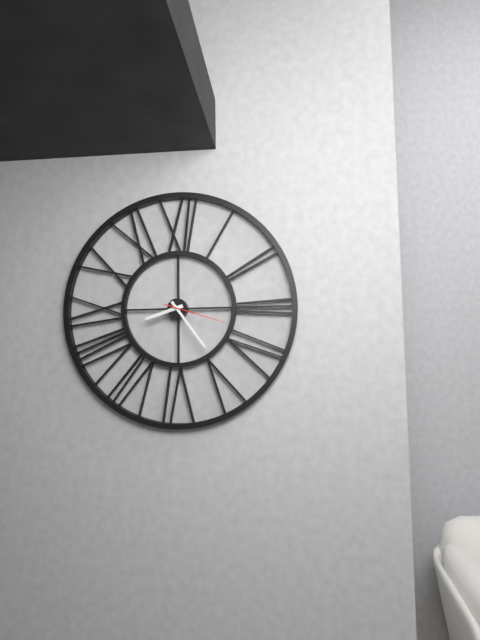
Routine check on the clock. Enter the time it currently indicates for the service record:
8:24:18
